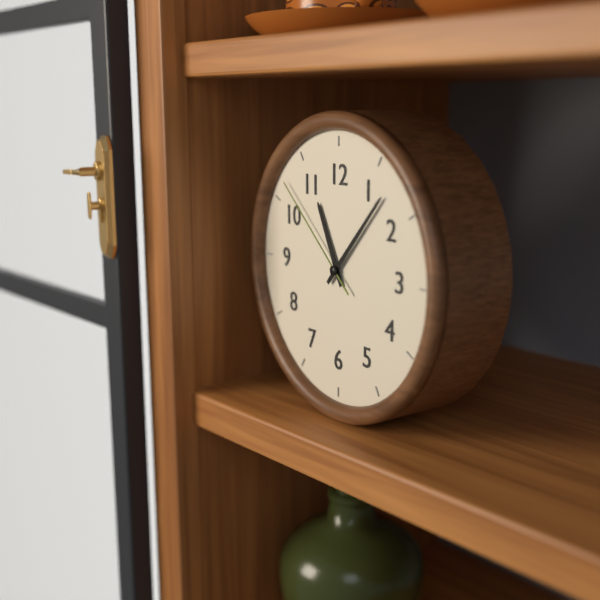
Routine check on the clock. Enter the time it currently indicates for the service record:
11:07:52
